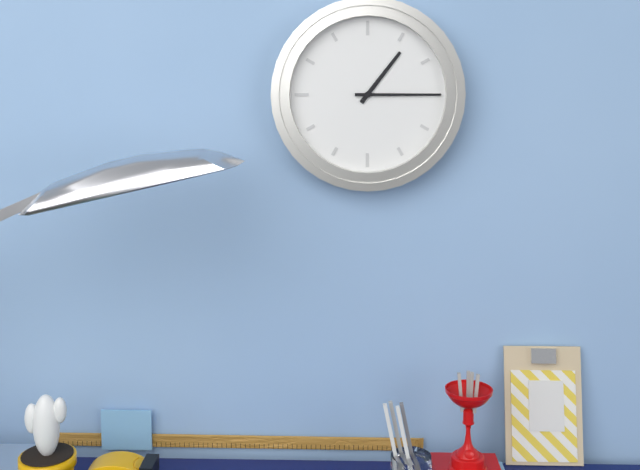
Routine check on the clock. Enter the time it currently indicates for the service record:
1:15
